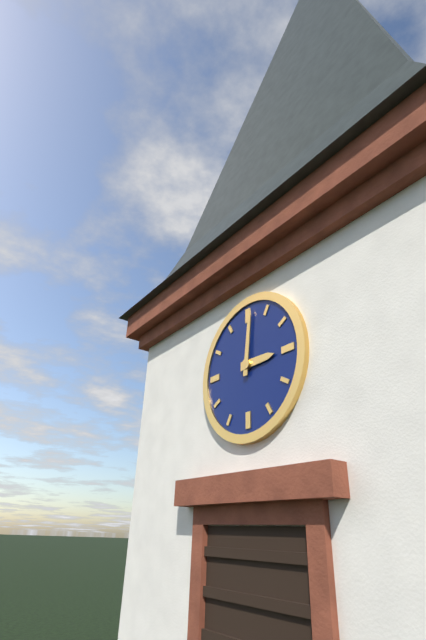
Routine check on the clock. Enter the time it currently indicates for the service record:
3:01
